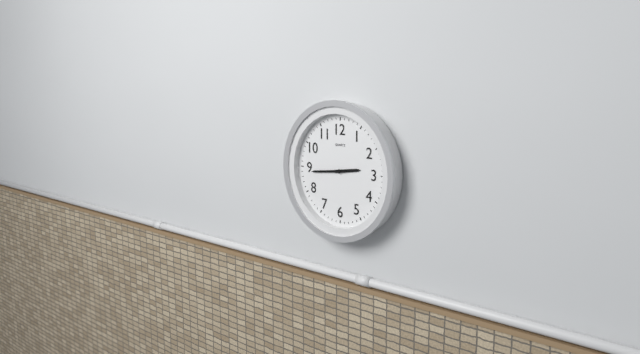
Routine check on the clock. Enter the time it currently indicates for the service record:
2:44
